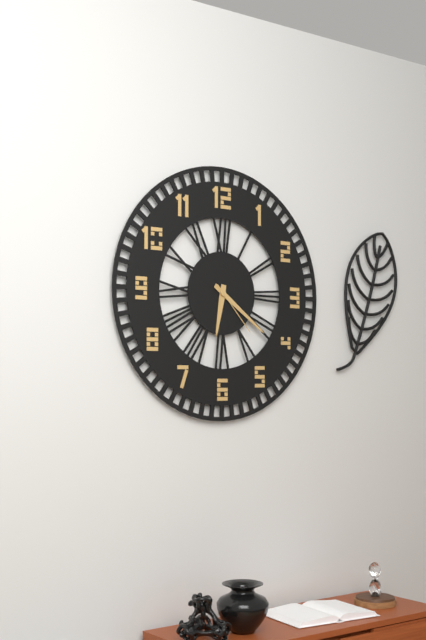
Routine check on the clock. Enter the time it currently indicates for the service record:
6:21:23
